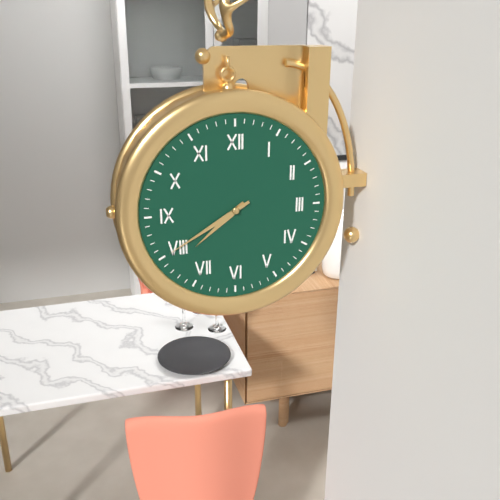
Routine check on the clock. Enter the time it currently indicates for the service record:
7:40
